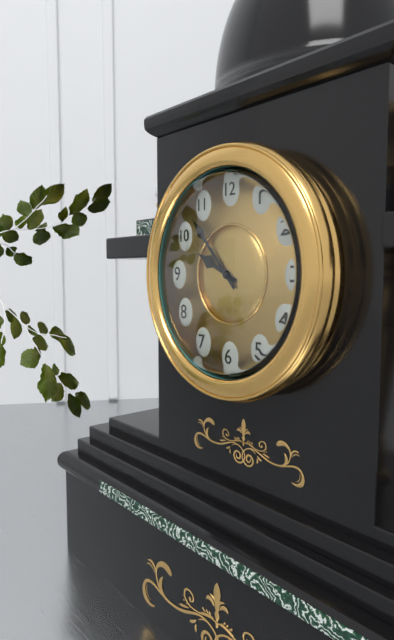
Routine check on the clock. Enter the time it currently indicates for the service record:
9:53
